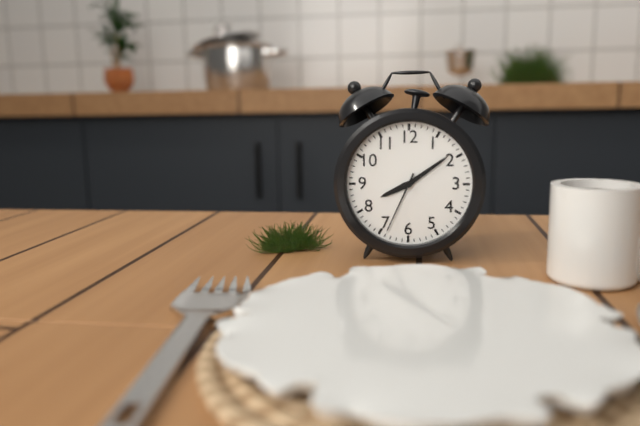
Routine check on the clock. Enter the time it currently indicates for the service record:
8:09:34
